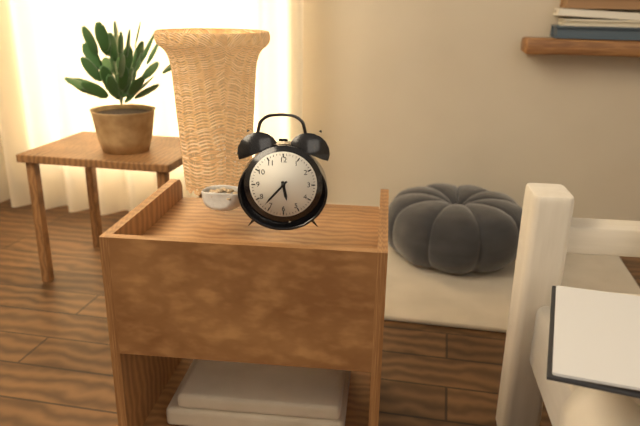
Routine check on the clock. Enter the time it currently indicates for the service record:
5:37
